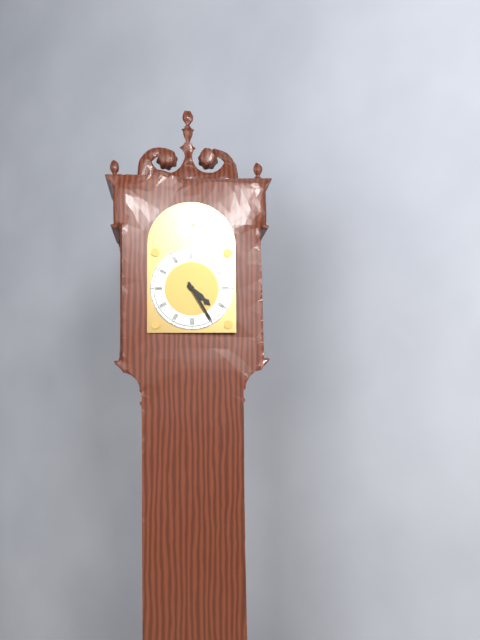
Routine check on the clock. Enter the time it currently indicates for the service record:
4:25
